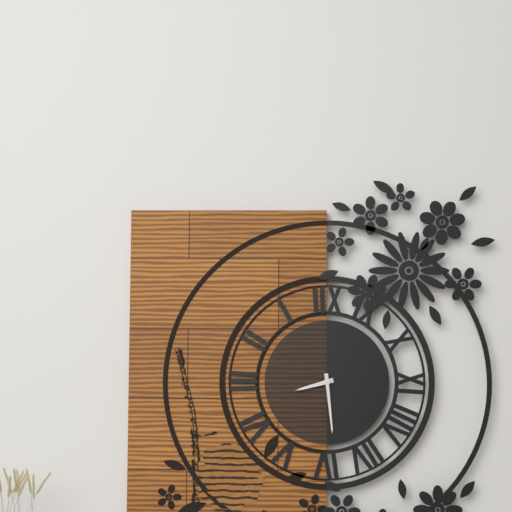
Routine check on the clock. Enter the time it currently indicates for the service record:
8:29
